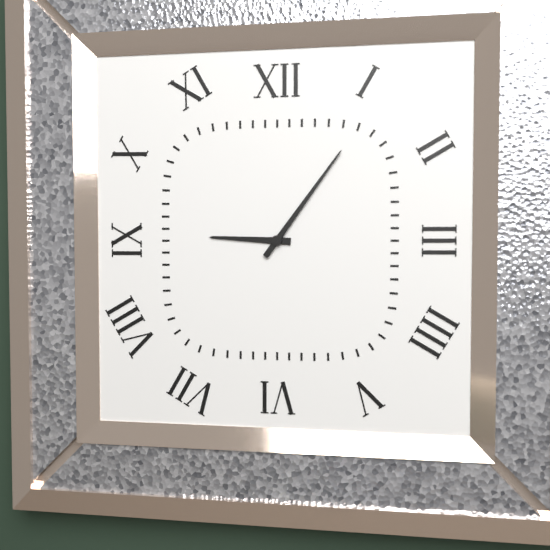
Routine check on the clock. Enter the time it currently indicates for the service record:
9:06
